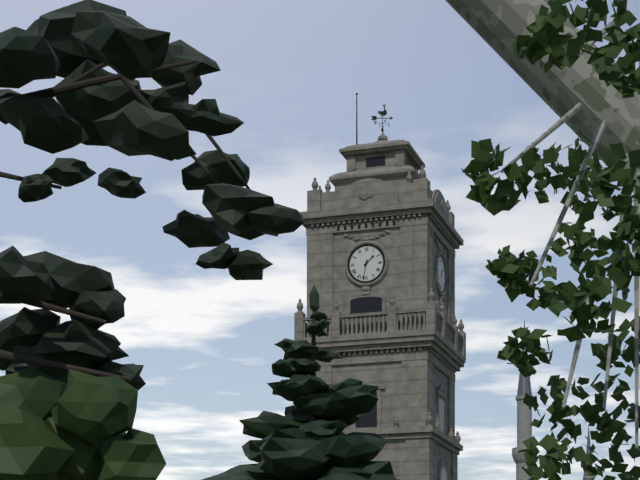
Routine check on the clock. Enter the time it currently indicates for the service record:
1:32
